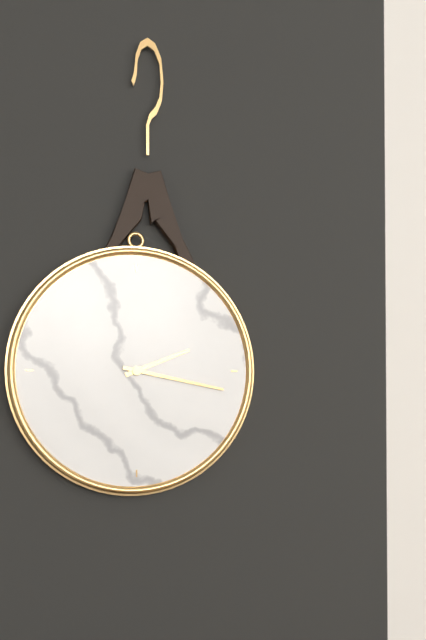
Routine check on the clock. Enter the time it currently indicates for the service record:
2:17
